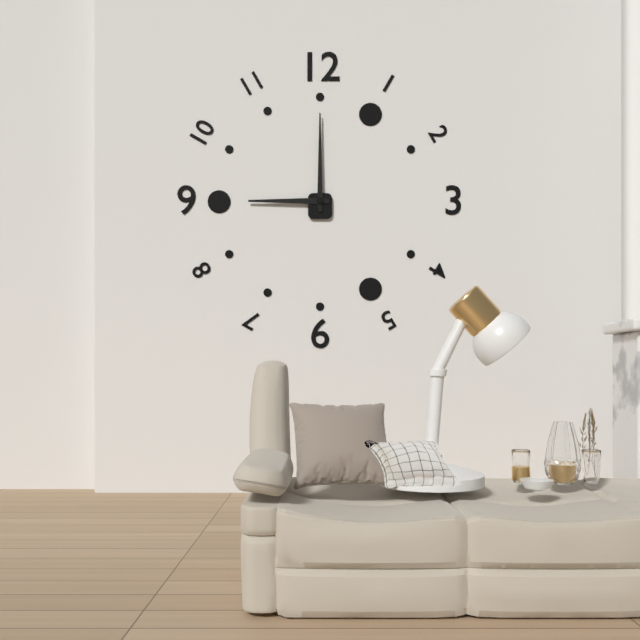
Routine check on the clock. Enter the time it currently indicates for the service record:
9:00
